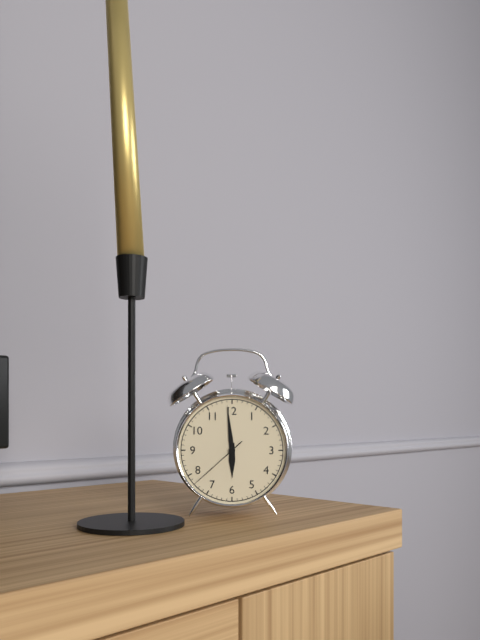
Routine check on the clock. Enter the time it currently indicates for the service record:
5:59:38
